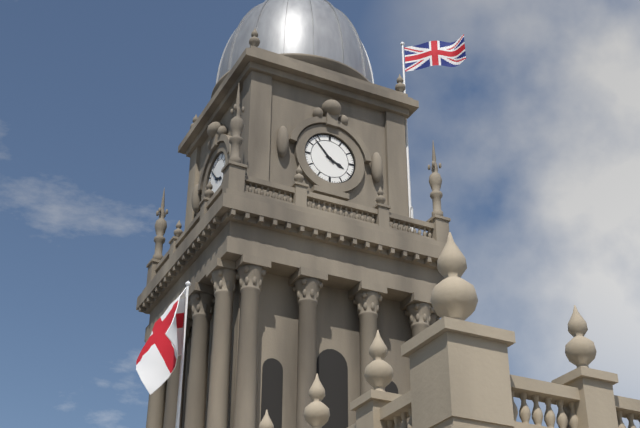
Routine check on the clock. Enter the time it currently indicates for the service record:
3:53
